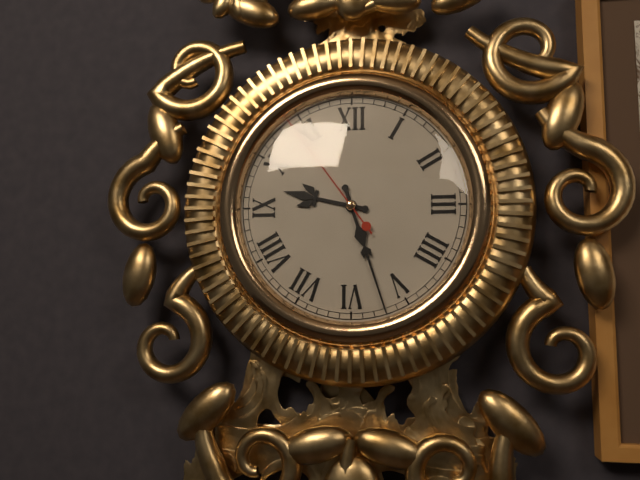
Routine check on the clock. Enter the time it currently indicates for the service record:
9:27:54
